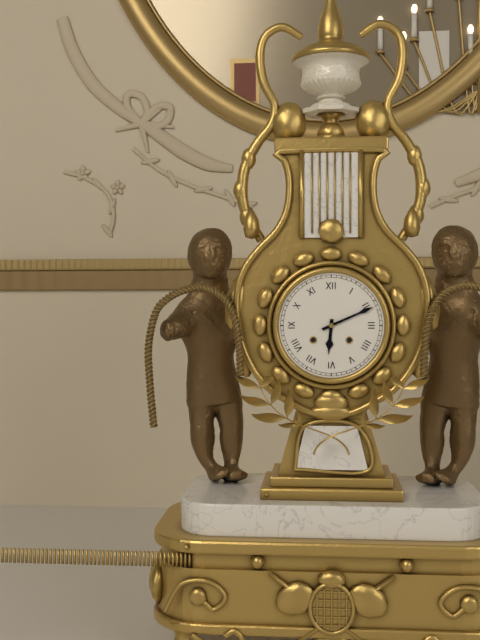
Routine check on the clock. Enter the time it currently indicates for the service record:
6:11
